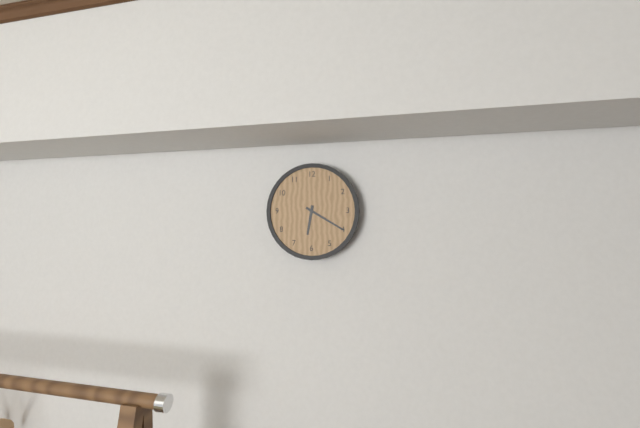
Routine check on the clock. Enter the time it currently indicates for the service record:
6:20
